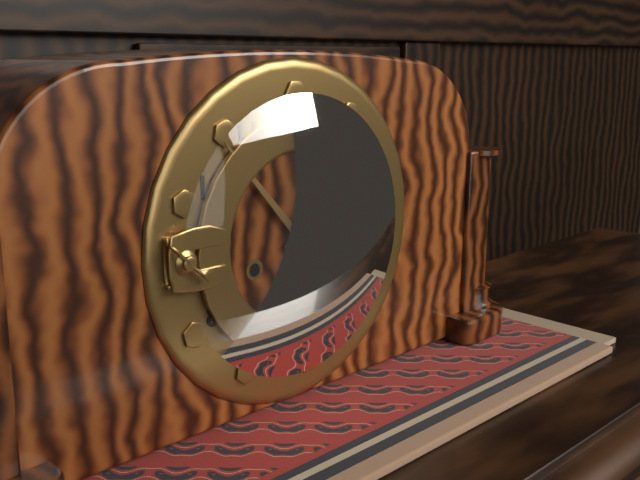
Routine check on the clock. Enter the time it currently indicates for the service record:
1:53
